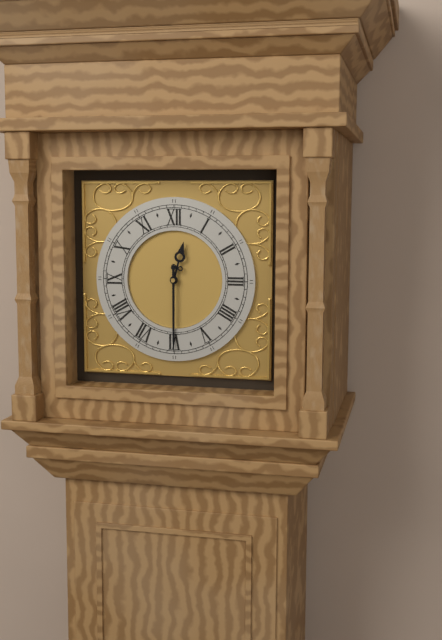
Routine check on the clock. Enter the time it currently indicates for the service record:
12:30
